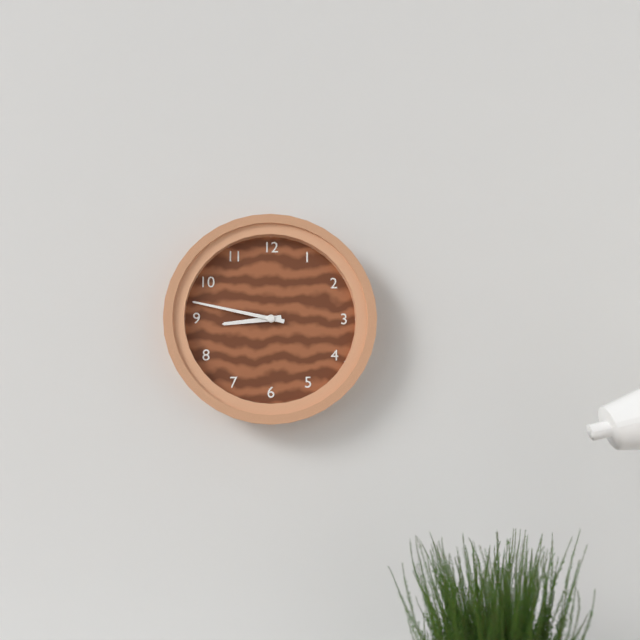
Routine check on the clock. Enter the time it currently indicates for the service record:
8:47
